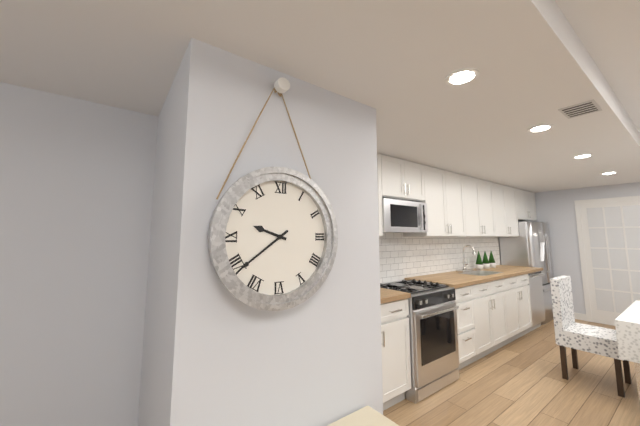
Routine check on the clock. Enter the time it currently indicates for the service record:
9:39
